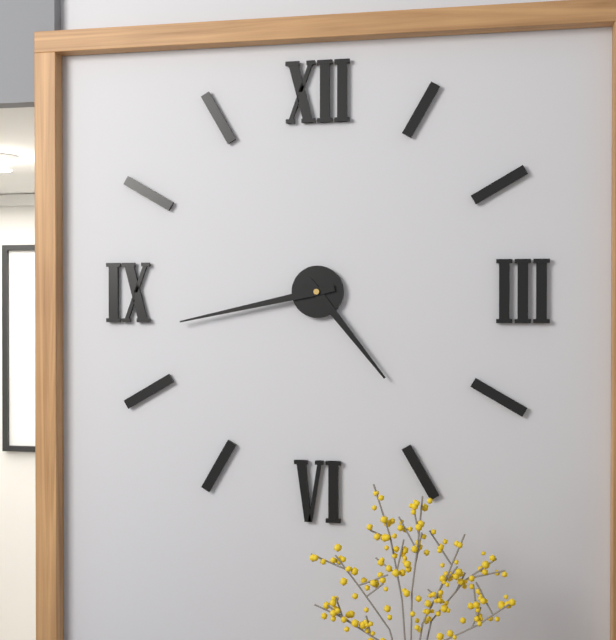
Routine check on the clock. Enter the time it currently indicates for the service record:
4:43
